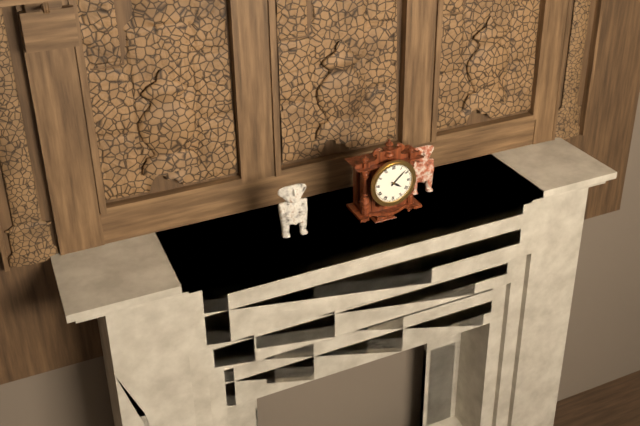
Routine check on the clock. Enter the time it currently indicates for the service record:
4:08
